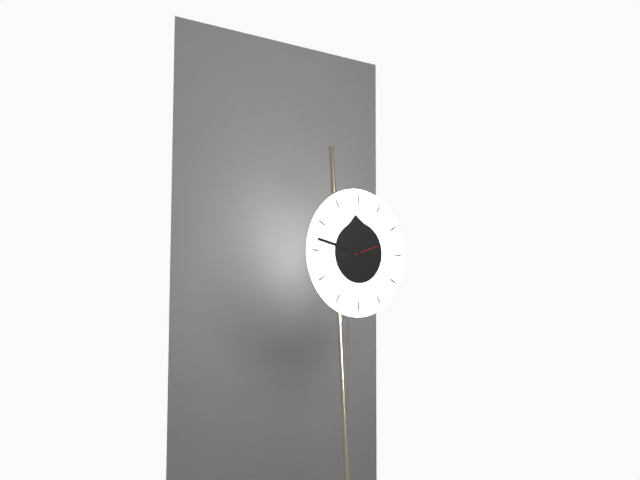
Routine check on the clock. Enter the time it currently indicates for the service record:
11:47
